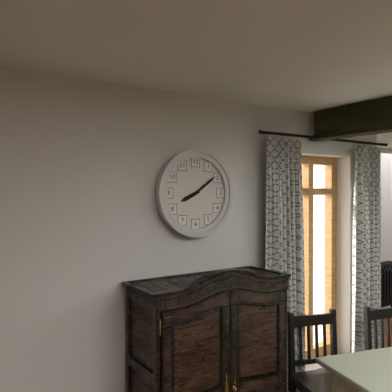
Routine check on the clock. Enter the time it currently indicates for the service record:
8:09
